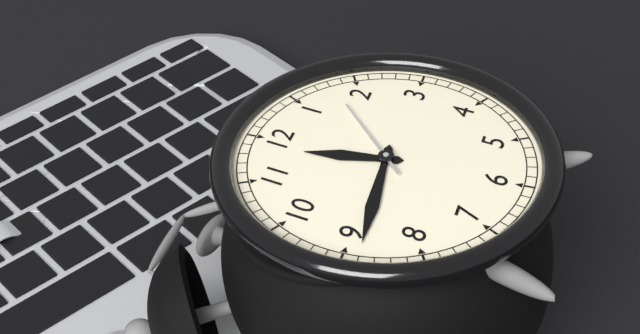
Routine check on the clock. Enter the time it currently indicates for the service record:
11:44:08
